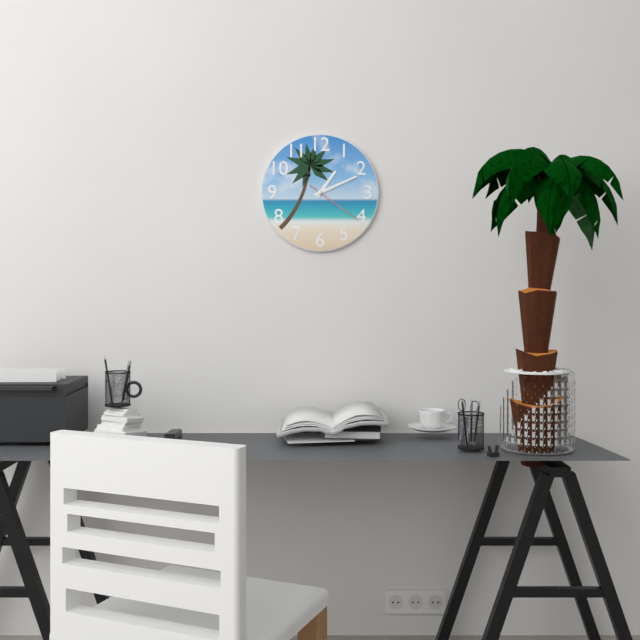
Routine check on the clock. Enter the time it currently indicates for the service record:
1:11:21
